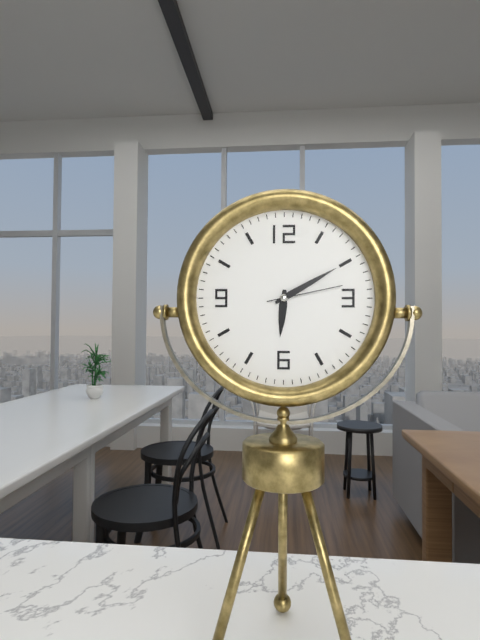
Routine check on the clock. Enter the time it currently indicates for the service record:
6:10:13
